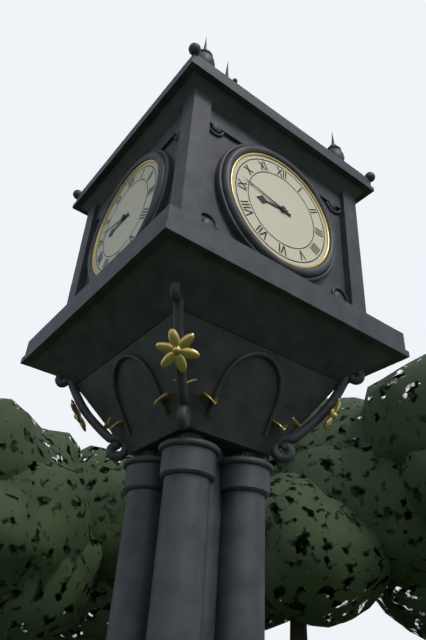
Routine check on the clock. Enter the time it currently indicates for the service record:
8:47
